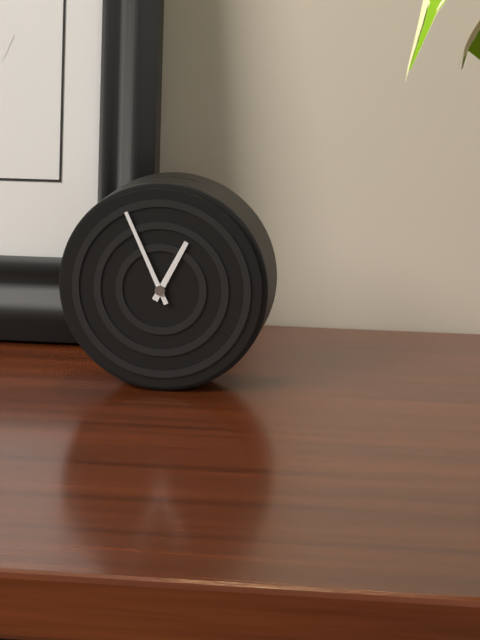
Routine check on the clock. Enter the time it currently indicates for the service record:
12:56
